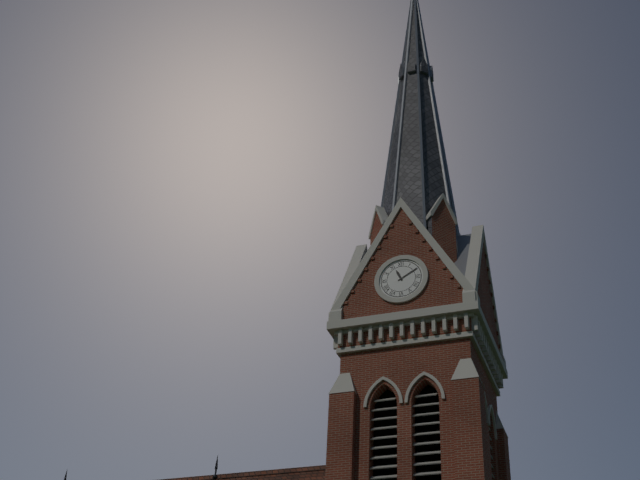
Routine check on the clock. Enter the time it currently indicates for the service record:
11:10
